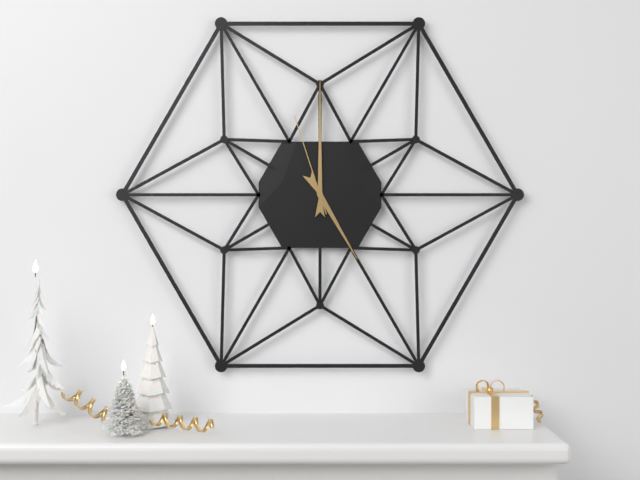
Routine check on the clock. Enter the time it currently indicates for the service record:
5:00:57
